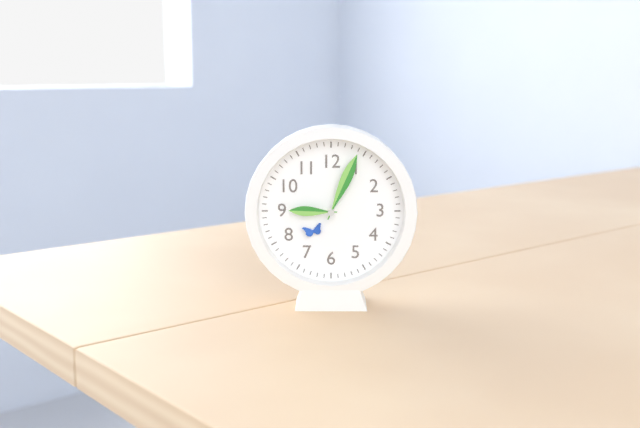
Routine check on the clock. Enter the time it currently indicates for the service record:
9:04
